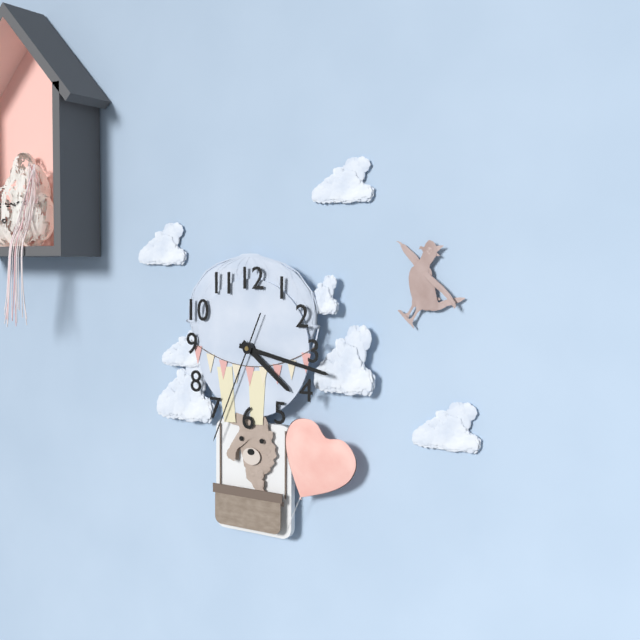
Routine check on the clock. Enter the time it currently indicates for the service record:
4:17:34
